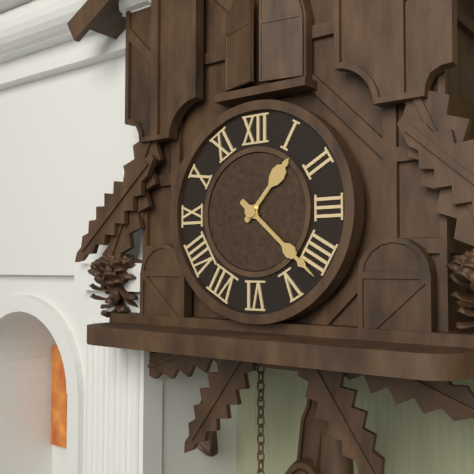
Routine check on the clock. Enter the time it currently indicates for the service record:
1:22
